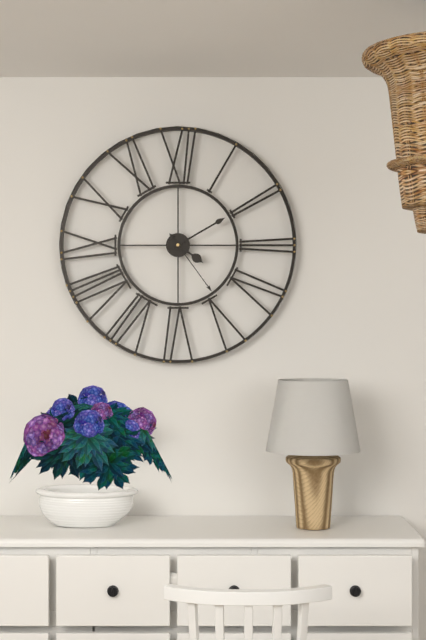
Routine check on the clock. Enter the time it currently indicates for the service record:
4:10:24
